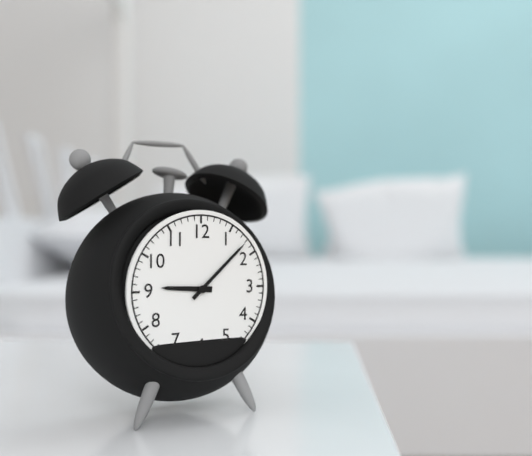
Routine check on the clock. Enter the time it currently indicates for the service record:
9:08
